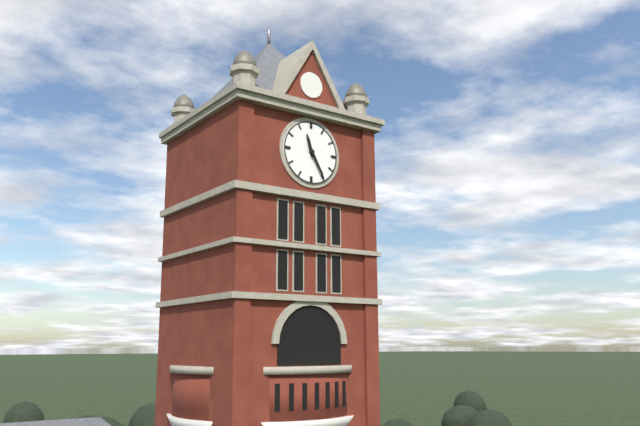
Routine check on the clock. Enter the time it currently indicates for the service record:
11:25
